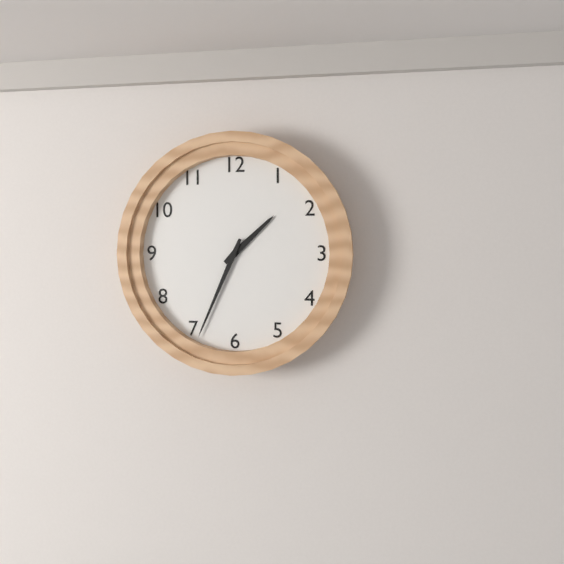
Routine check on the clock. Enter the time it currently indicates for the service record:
1:34
